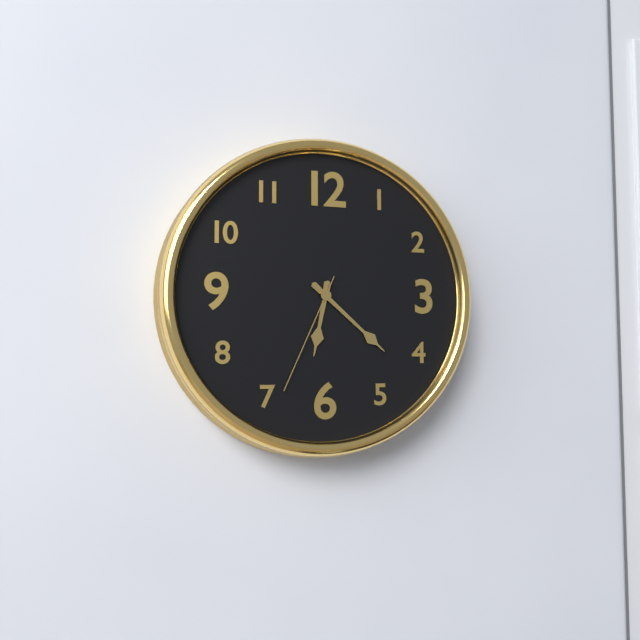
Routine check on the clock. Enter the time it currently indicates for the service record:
6:22:34
